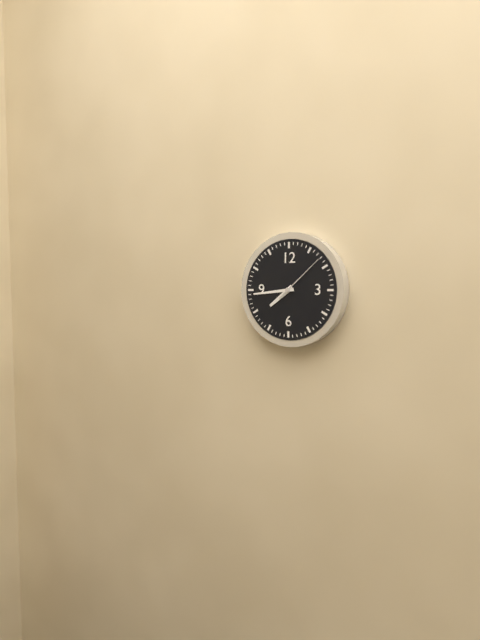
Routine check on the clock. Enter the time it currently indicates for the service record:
7:44:08
